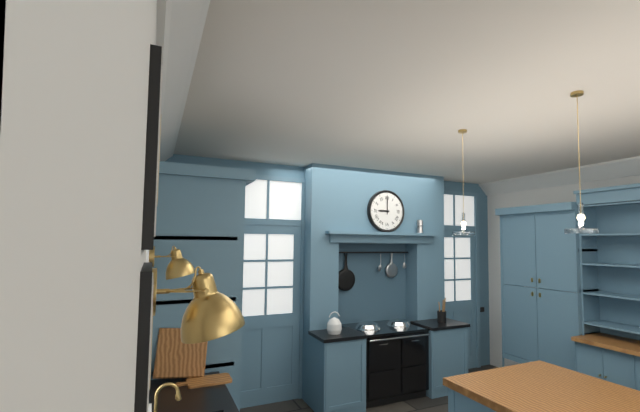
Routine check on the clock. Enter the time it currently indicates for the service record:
9:00
